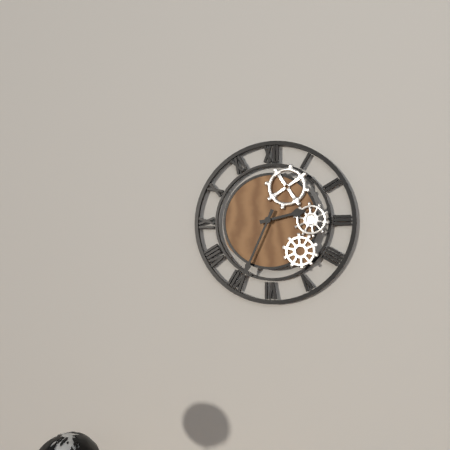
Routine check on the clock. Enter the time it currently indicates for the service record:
2:34
